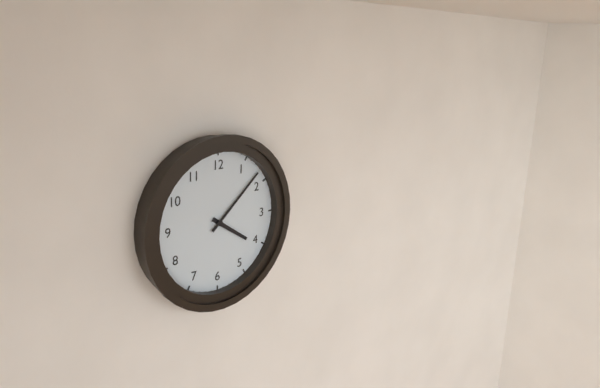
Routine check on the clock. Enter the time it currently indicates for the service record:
4:08
